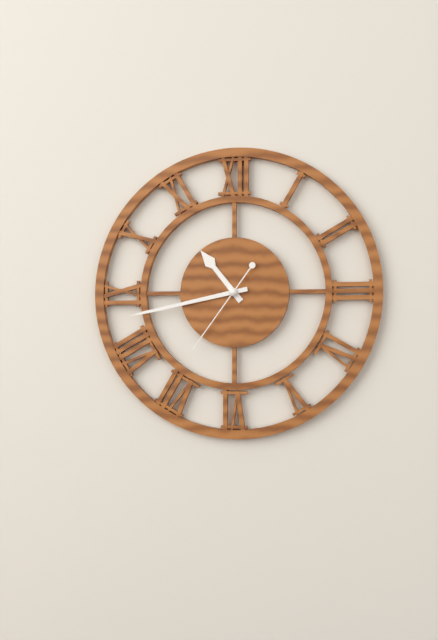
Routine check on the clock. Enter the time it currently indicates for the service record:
10:43:36
